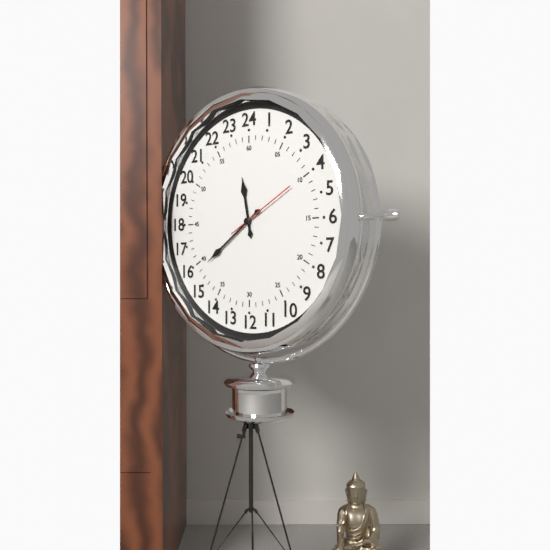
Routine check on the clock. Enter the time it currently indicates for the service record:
11:39:10
